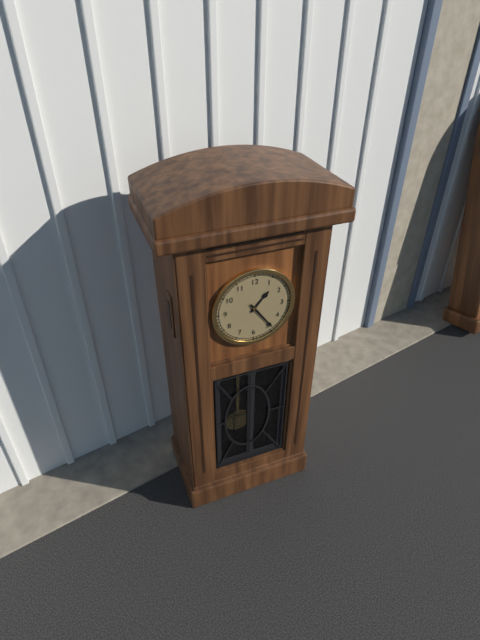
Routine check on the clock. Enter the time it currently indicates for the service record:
1:24
